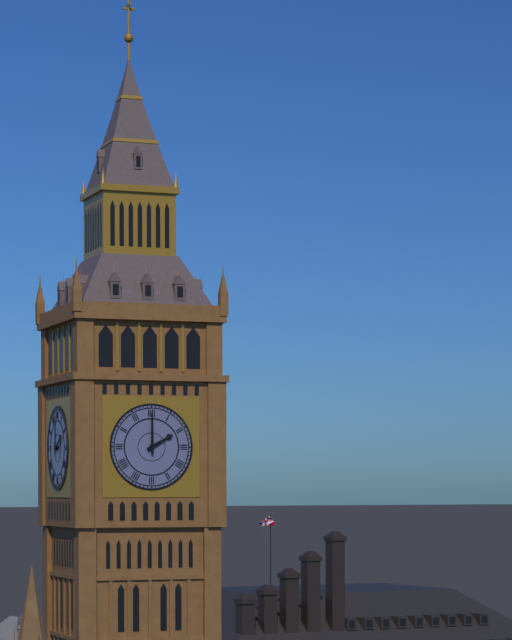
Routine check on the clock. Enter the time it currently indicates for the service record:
2:00
